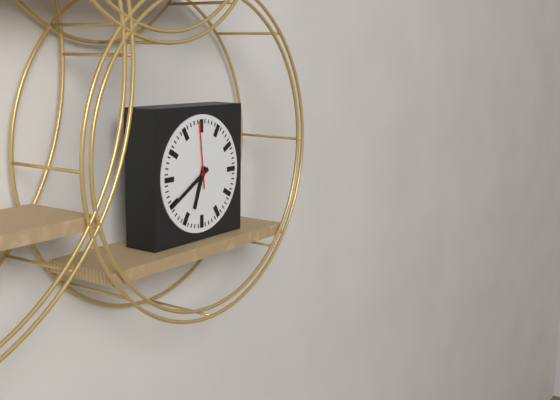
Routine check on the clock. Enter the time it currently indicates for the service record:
6:40:59
